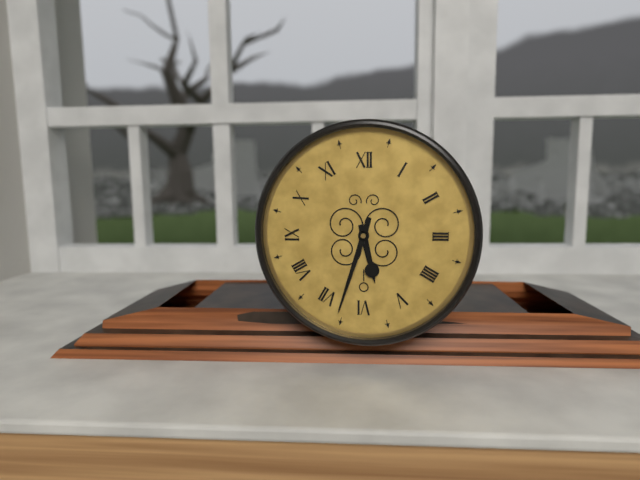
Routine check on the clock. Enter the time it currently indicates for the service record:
5:33
